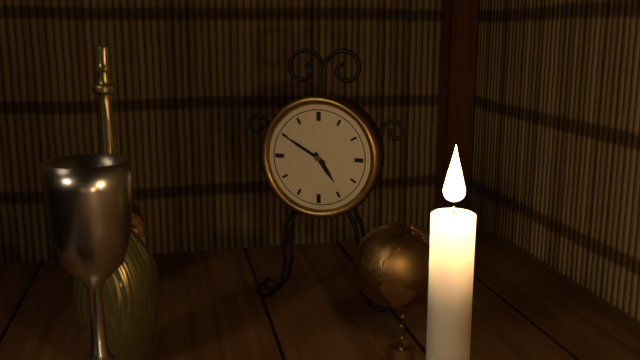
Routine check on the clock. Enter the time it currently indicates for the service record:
4:50
